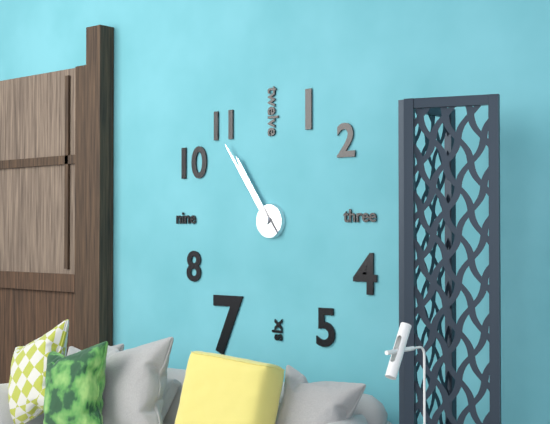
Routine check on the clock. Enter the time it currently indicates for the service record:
10:54
